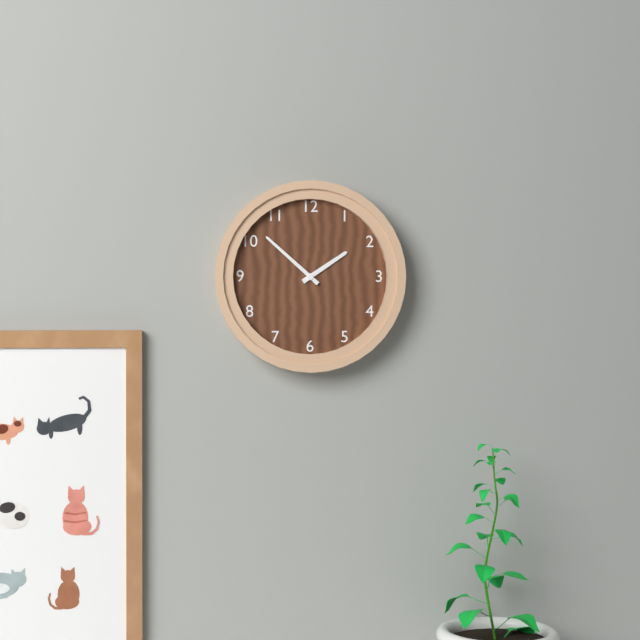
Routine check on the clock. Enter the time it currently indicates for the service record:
1:52
